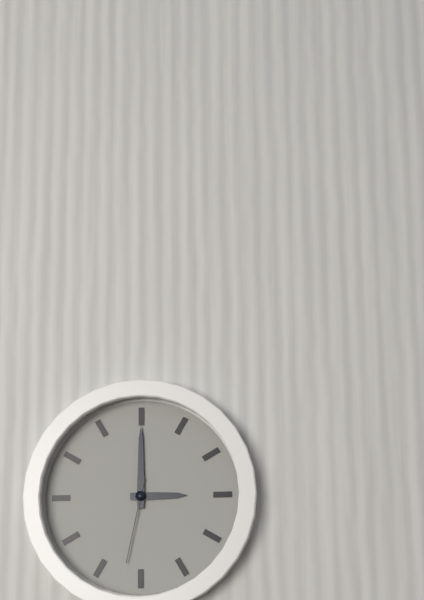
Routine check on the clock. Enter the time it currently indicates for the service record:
3:00:32
